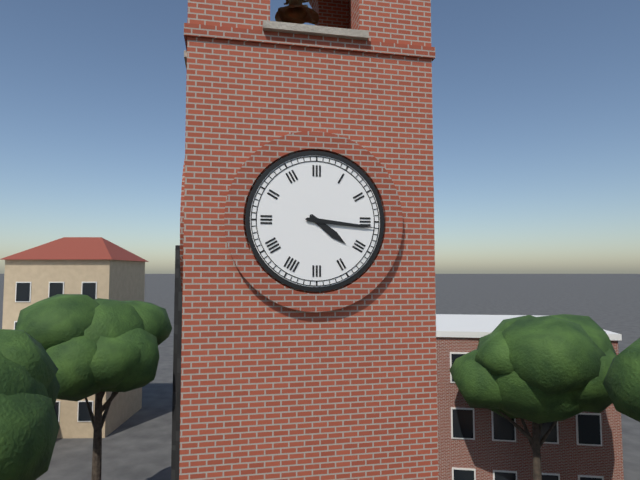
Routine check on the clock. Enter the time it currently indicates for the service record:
4:16
